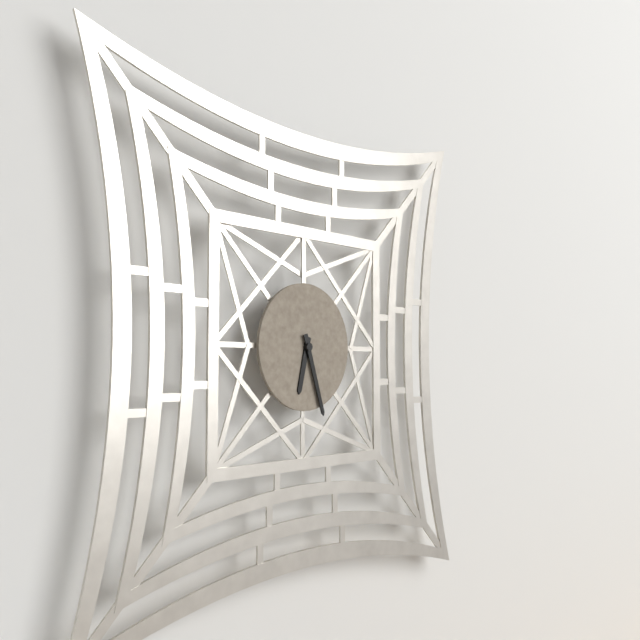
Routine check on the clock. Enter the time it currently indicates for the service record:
6:27
